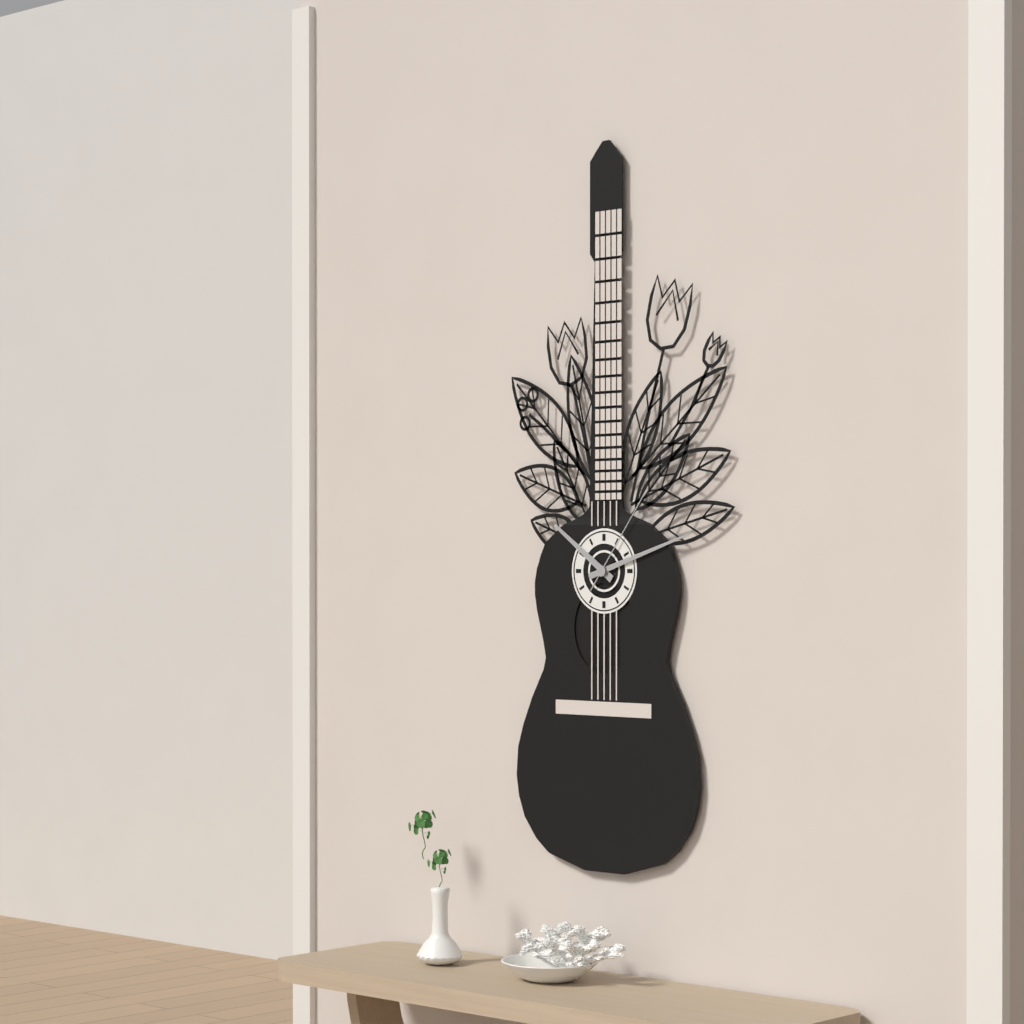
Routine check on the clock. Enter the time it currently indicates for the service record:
10:12:06
